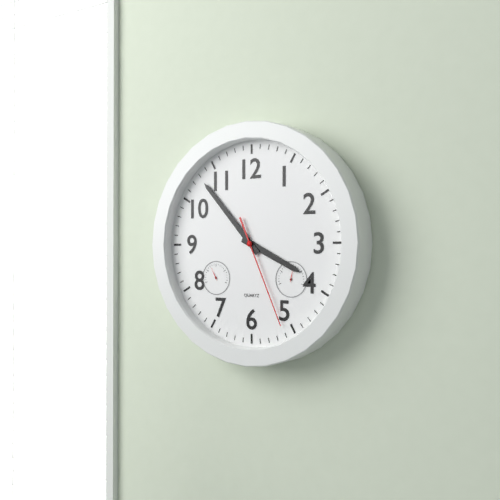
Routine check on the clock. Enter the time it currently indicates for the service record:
3:53:26
